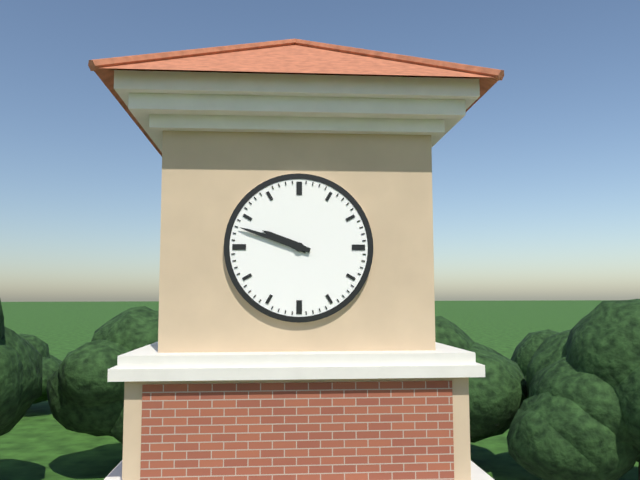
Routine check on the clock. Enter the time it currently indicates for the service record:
9:48
